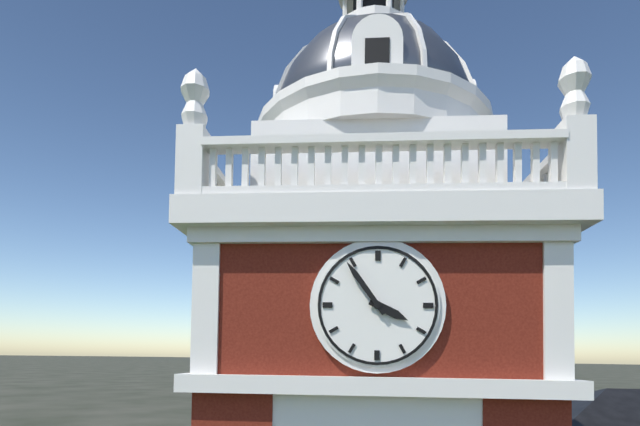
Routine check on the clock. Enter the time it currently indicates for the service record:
3:54
